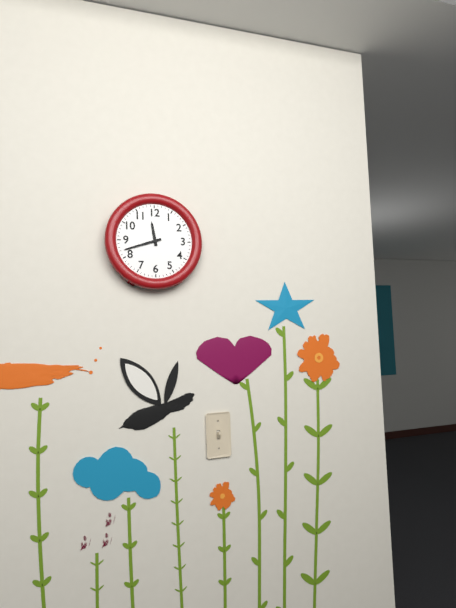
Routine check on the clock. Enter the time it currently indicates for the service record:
11:42
